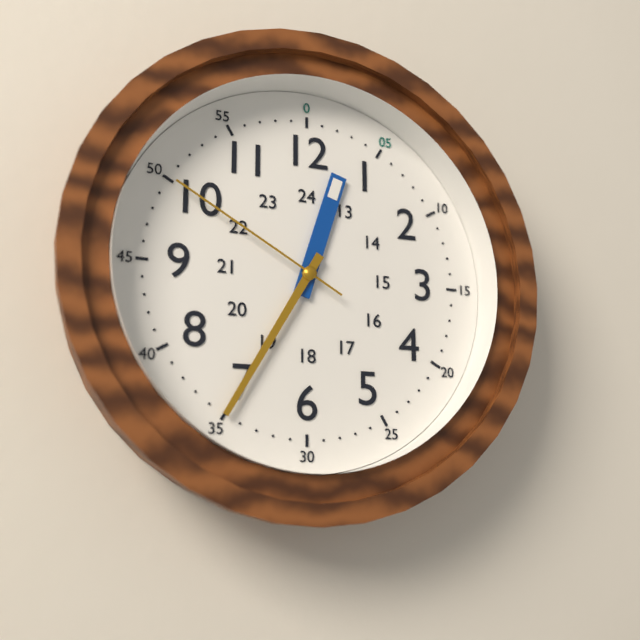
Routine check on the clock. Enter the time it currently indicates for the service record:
12:35:50
